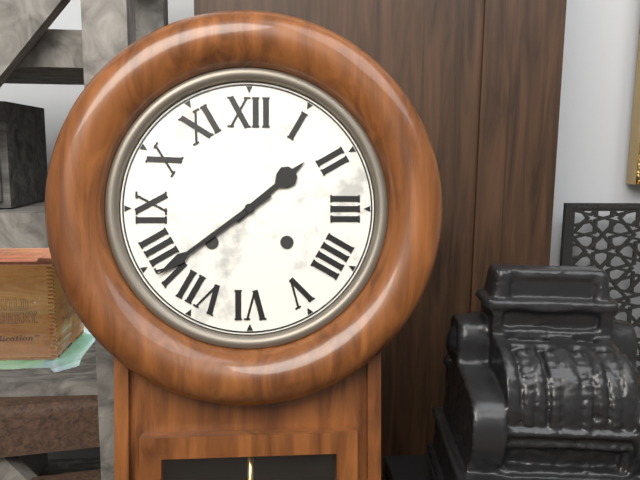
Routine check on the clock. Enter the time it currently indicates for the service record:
1:39
